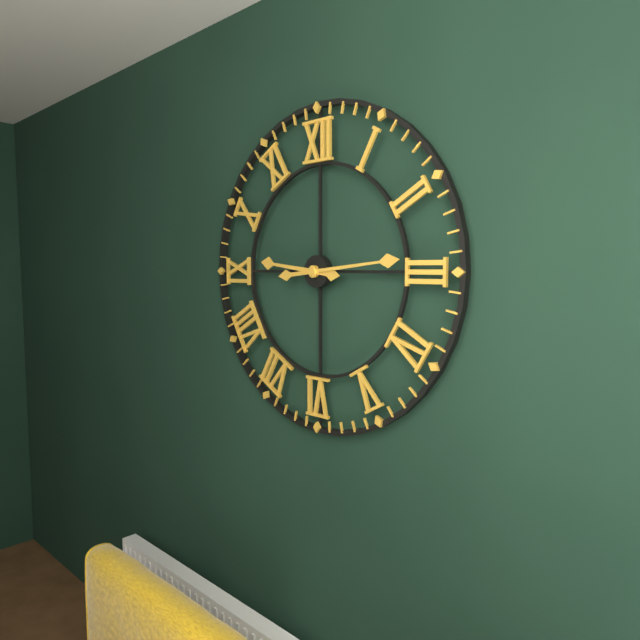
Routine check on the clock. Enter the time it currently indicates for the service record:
9:14
